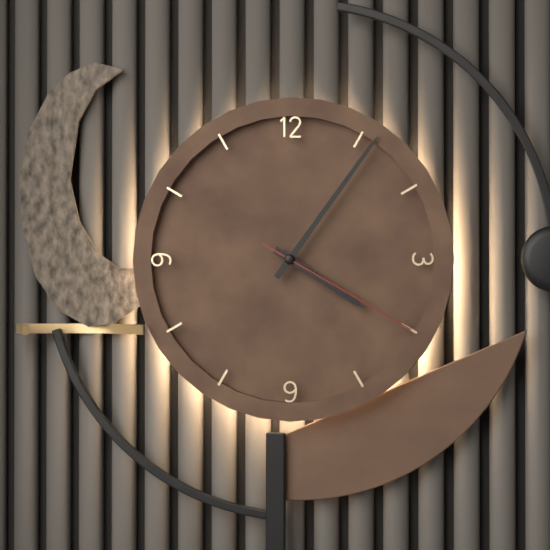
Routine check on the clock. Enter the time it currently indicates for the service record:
4:06:20
